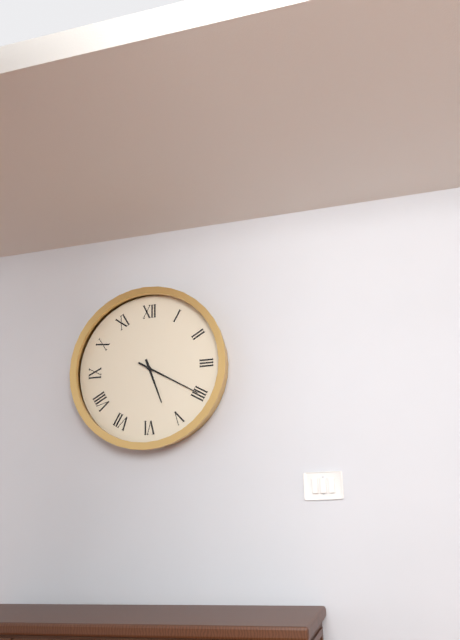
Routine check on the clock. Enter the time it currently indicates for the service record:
5:20
